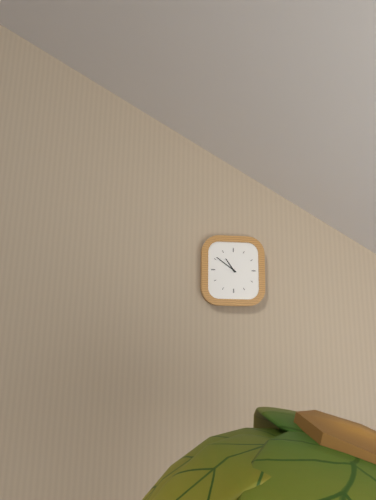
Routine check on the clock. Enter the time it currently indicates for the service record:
10:51
